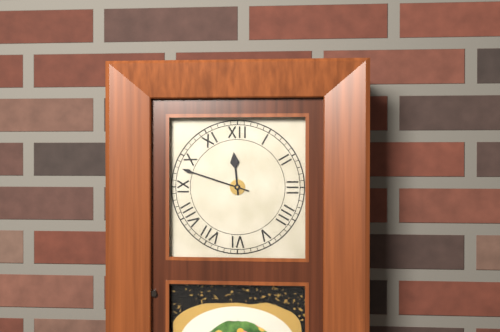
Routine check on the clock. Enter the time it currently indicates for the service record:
11:48
